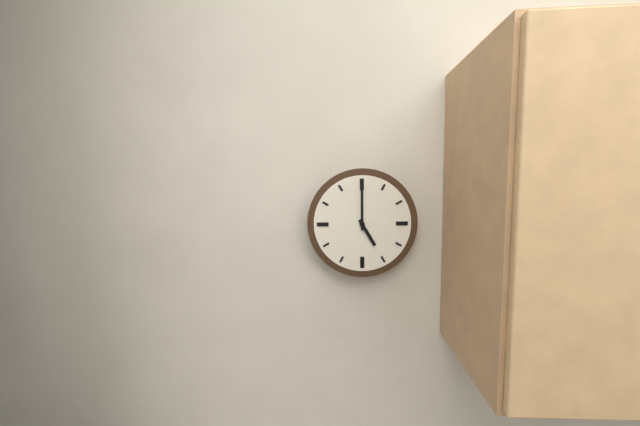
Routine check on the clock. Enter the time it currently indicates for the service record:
5:00
